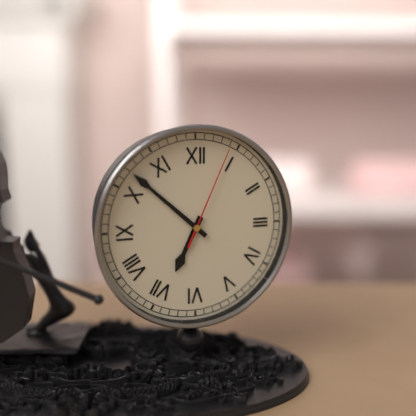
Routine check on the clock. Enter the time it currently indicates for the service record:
6:52:04
